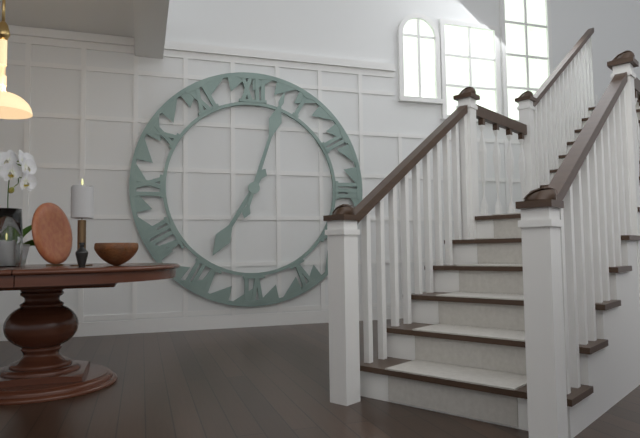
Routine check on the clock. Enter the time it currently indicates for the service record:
7:03
